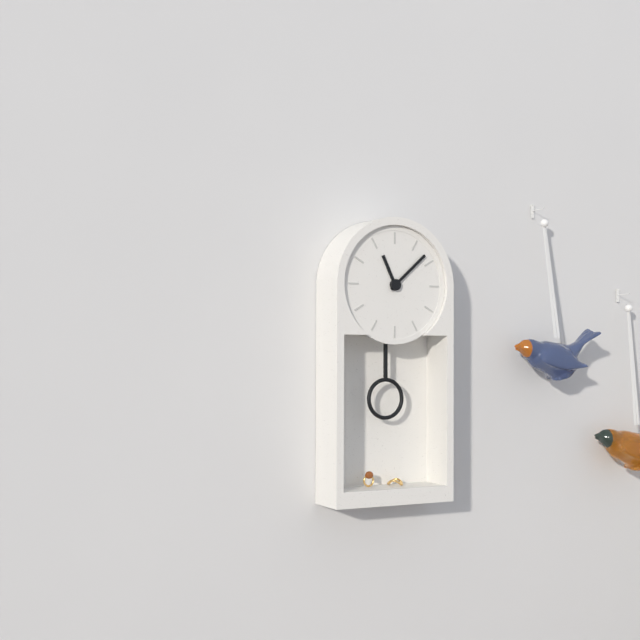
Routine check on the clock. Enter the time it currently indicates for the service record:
11:08
